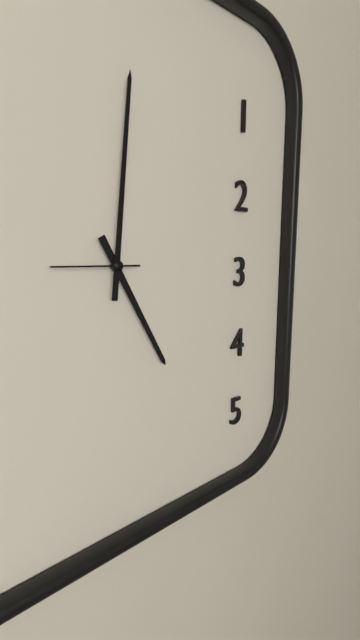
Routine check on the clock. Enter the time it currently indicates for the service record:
5:01:45
